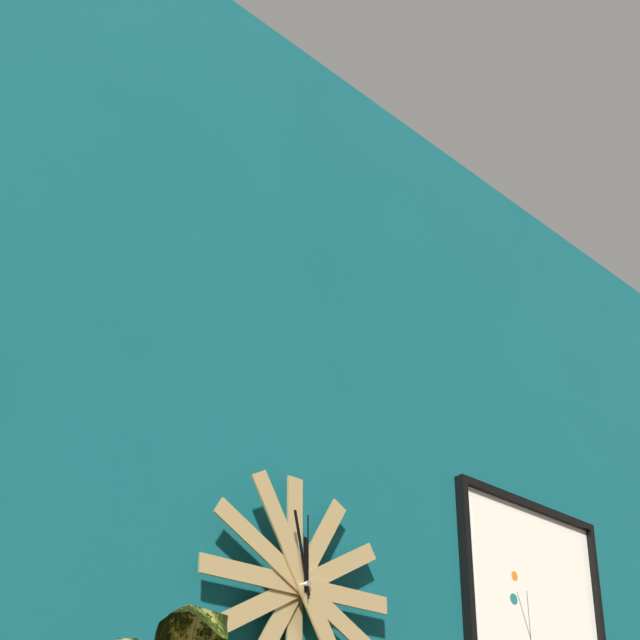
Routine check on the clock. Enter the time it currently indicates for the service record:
11:58:00
